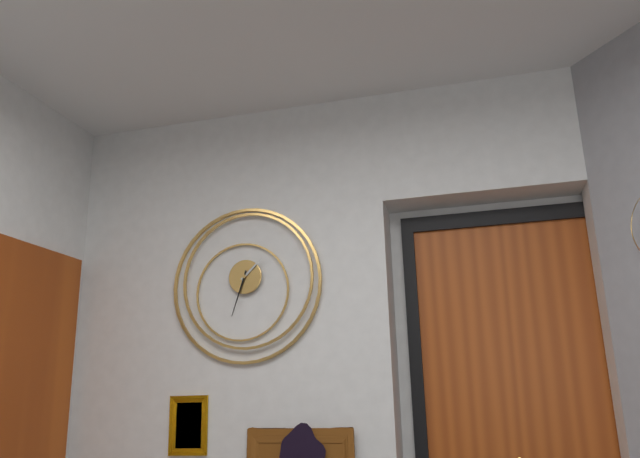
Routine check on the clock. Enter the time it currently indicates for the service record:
1:33
